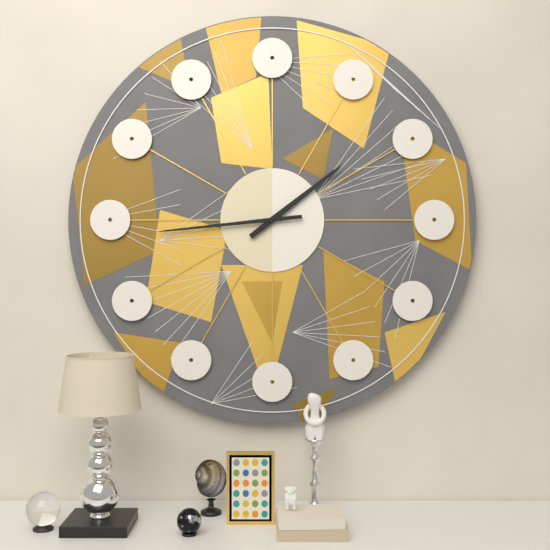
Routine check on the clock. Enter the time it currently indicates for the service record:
1:44
